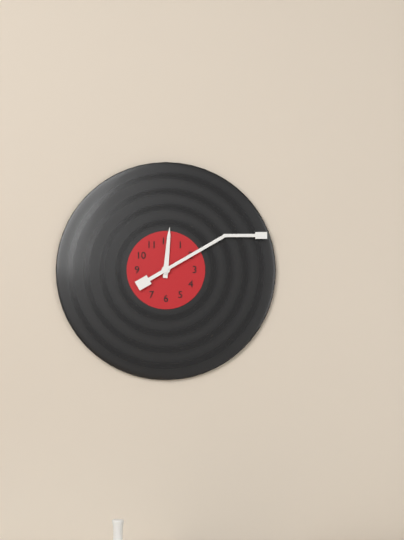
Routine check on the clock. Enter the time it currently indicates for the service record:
12:10
